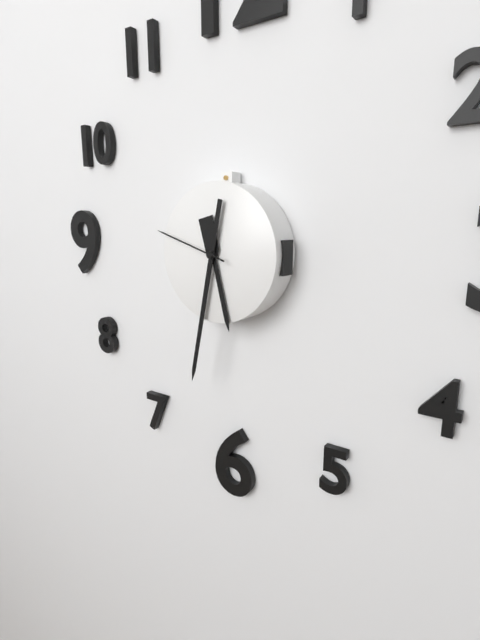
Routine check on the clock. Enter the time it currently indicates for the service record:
5:32:48
